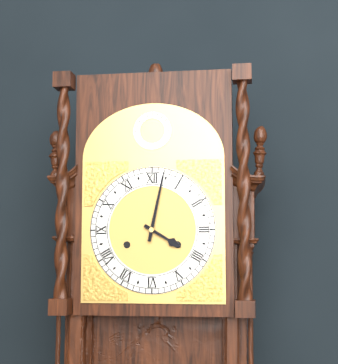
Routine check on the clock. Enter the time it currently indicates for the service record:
4:02
